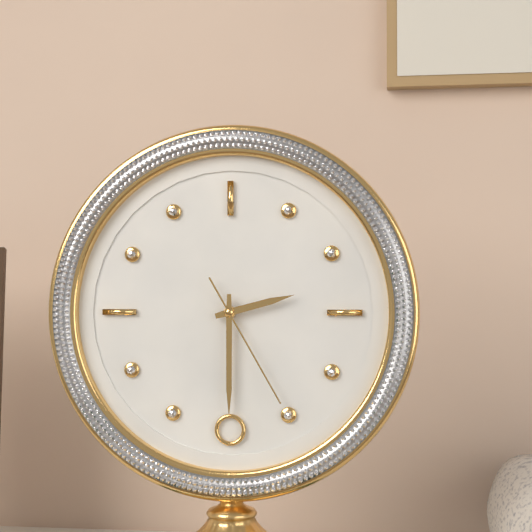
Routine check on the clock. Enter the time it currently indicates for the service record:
2:30:25
